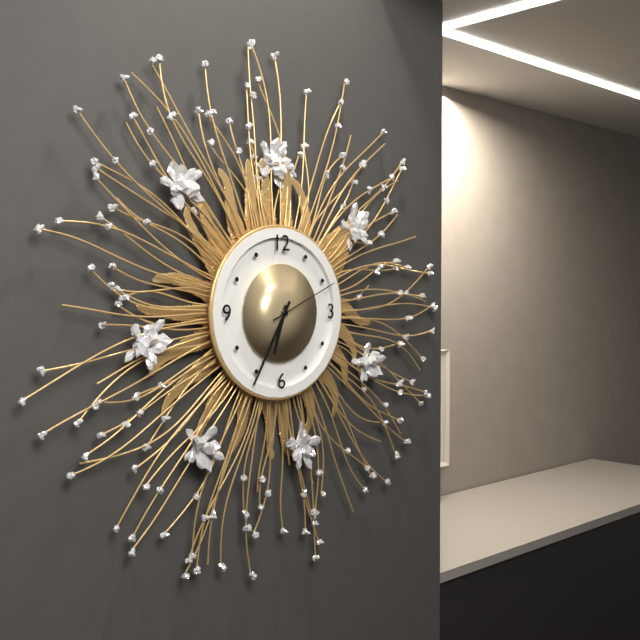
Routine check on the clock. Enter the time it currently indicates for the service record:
6:35:11
